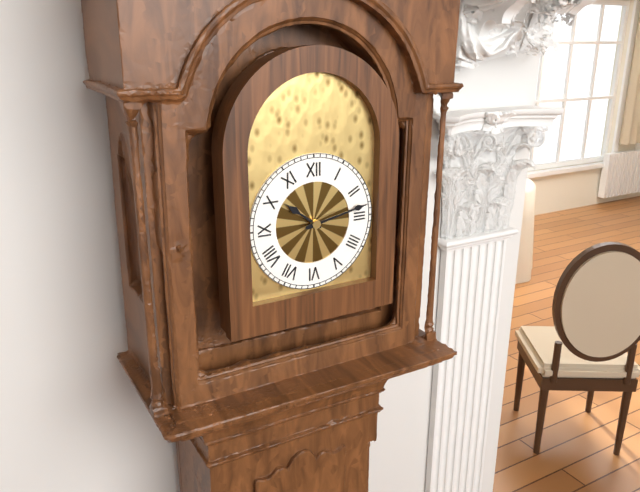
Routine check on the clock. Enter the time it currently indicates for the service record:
10:13
